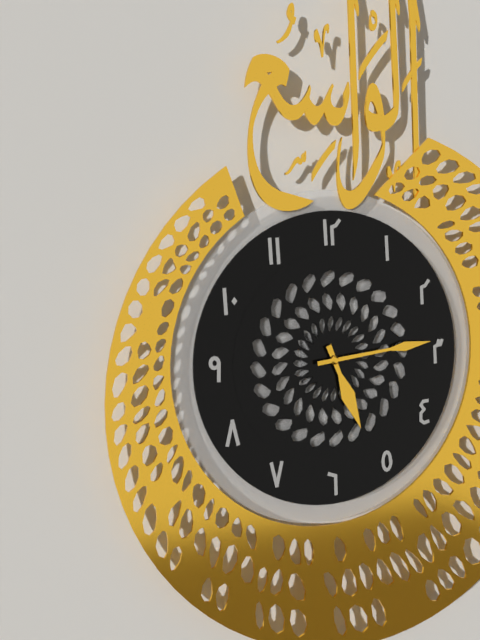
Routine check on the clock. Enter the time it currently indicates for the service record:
5:14
